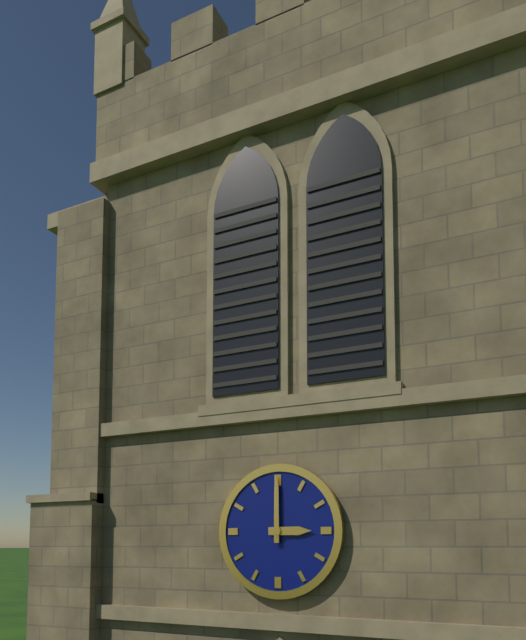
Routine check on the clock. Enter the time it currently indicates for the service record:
3:00
